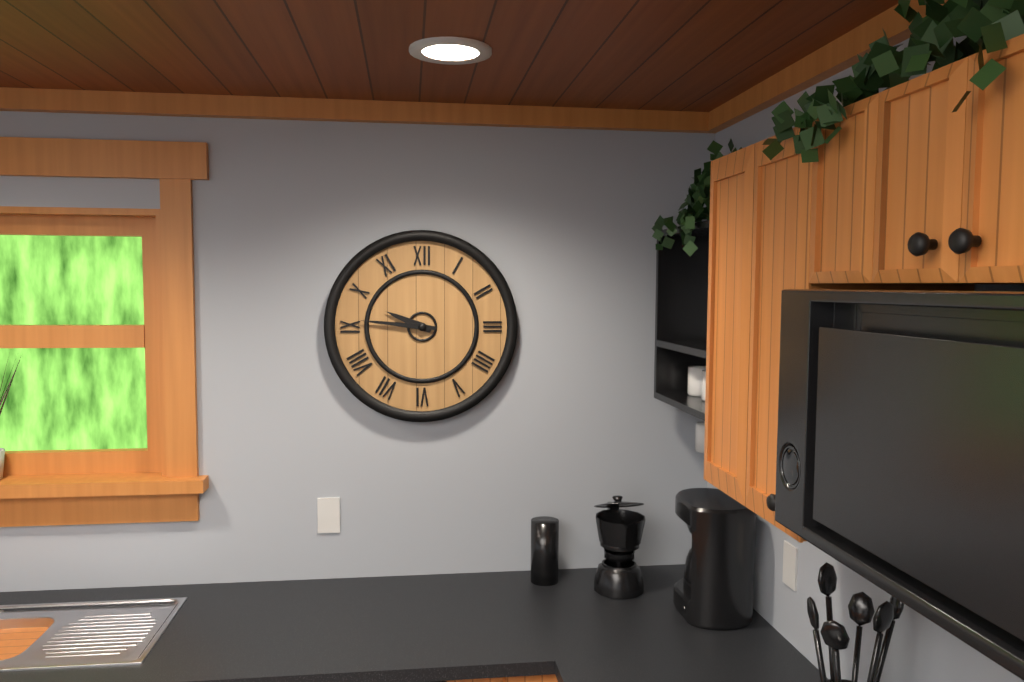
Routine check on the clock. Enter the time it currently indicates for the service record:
9:46
